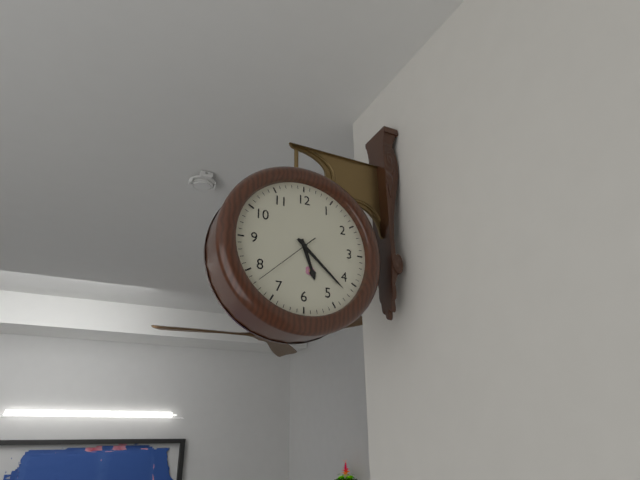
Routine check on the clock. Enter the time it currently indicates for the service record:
5:22:38
